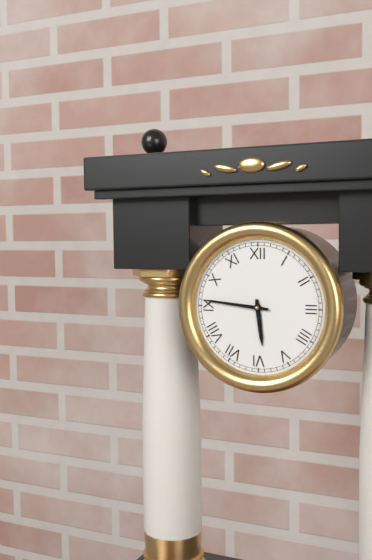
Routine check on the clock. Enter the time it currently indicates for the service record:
5:46
